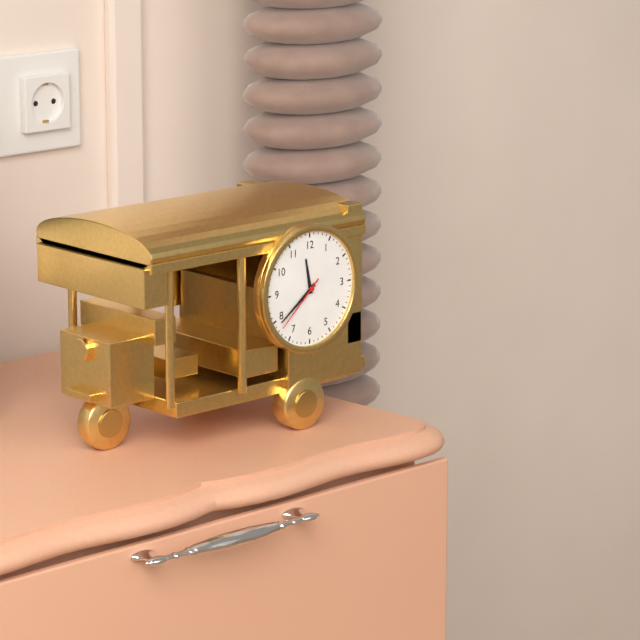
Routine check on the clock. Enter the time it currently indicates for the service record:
11:39:38
